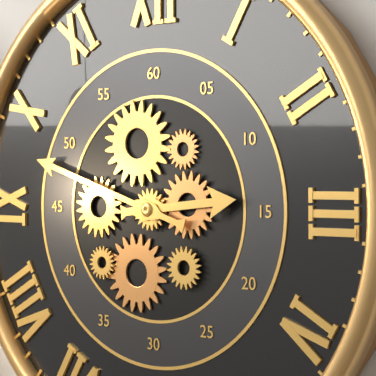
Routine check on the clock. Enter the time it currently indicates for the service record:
2:48
